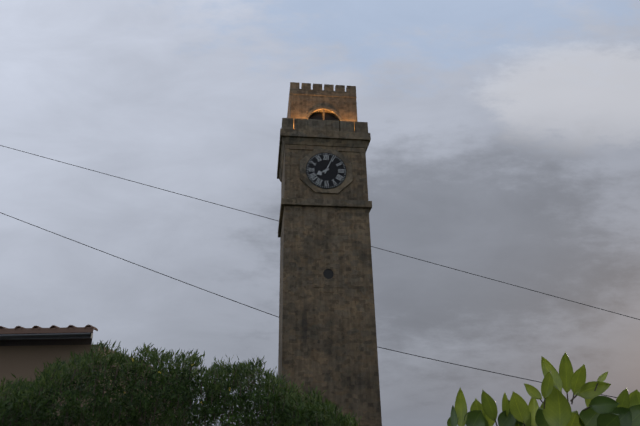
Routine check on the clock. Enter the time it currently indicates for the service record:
8:04
